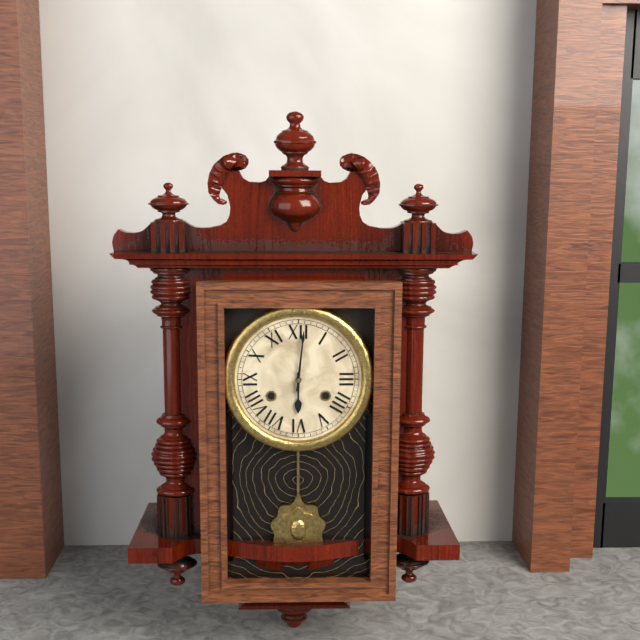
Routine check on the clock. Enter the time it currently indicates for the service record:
6:01
